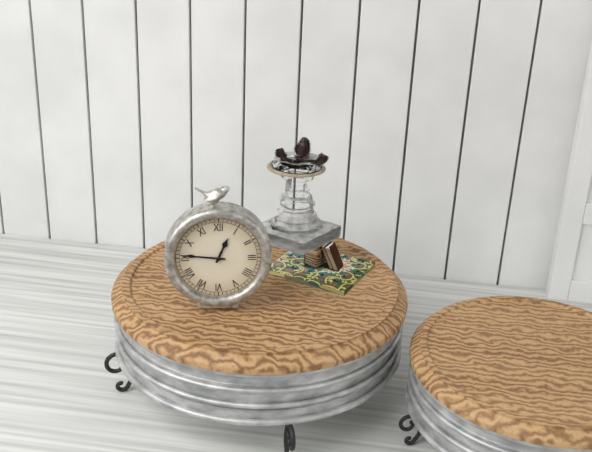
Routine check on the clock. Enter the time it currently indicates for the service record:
12:46
